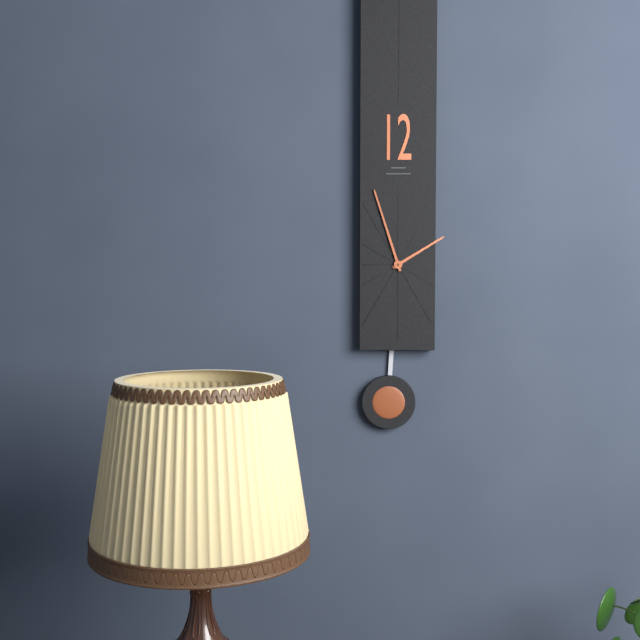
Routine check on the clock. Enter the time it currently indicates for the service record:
1:57
